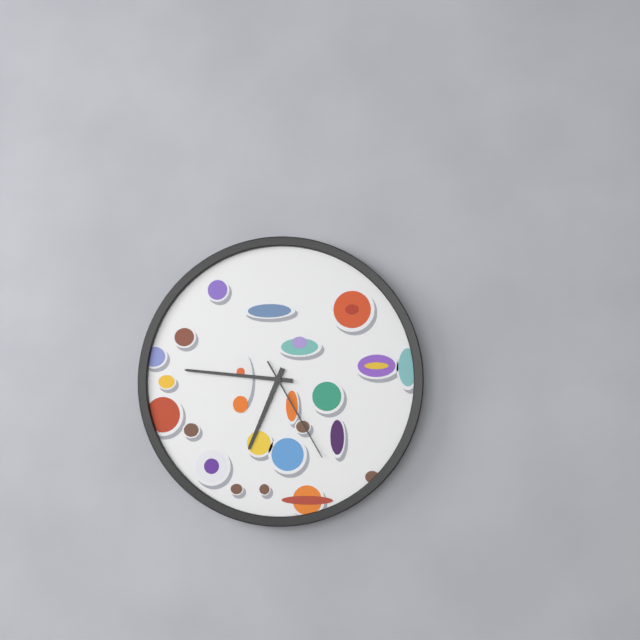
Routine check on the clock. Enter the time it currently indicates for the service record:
6:46:25
